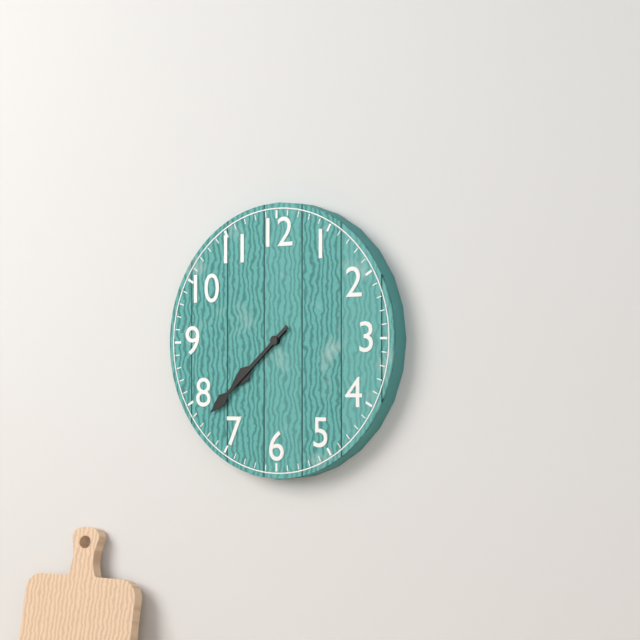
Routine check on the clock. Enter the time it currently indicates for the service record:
7:38
